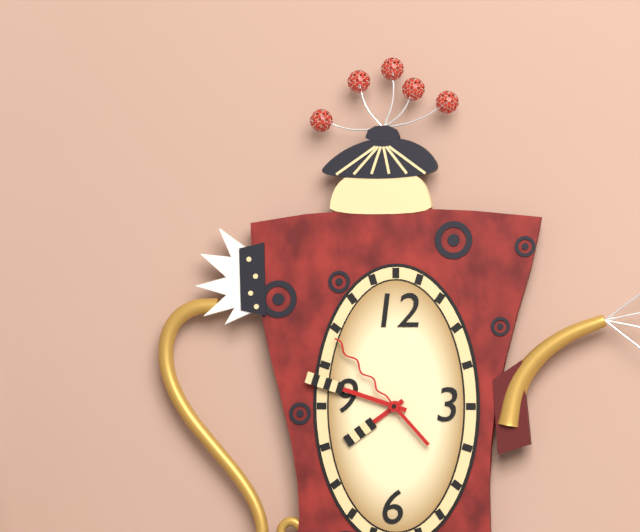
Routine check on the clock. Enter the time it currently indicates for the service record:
7:48:53
